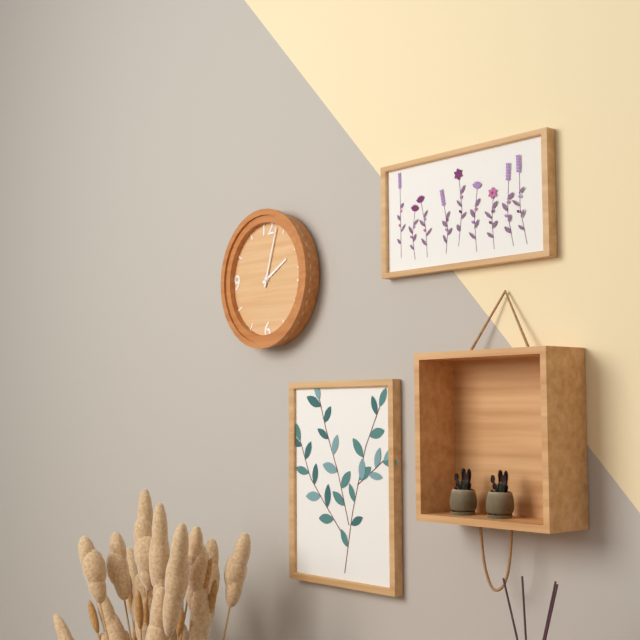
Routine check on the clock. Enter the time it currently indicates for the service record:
2:03
